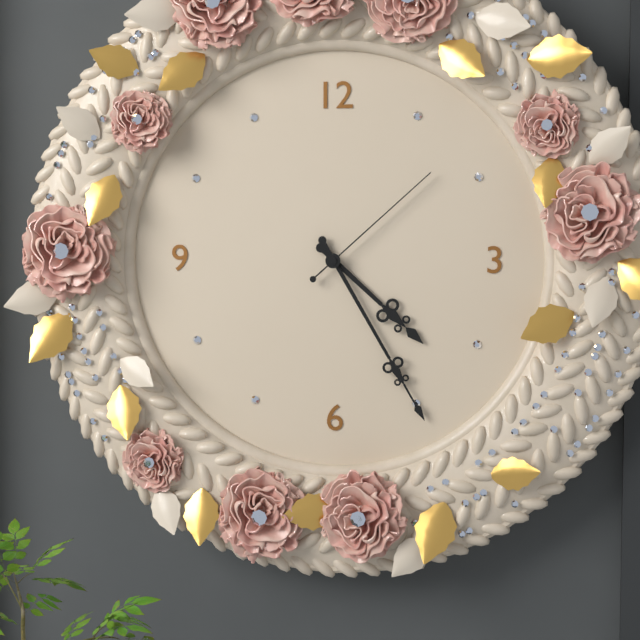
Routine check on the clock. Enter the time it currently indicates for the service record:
4:25:08
